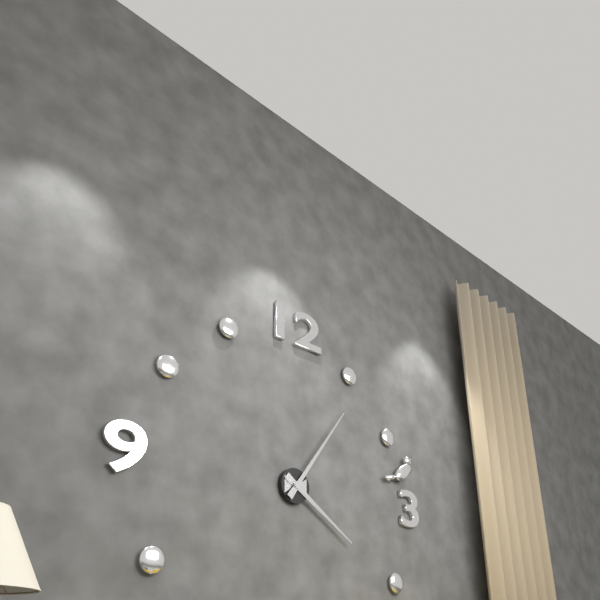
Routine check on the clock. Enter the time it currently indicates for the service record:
4:06
